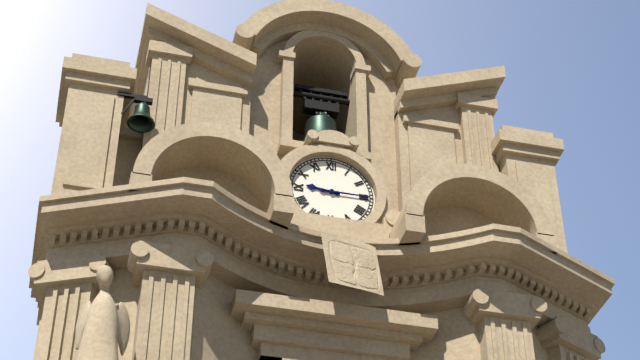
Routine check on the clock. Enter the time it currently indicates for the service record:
9:15
